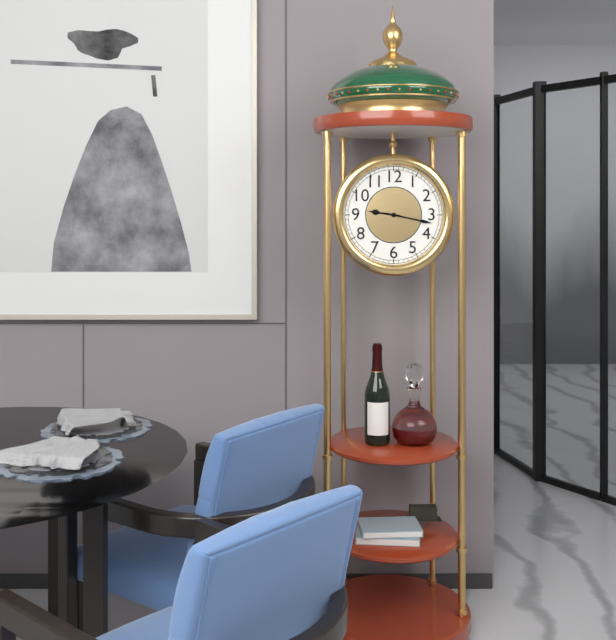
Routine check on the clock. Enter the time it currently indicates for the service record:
9:17
